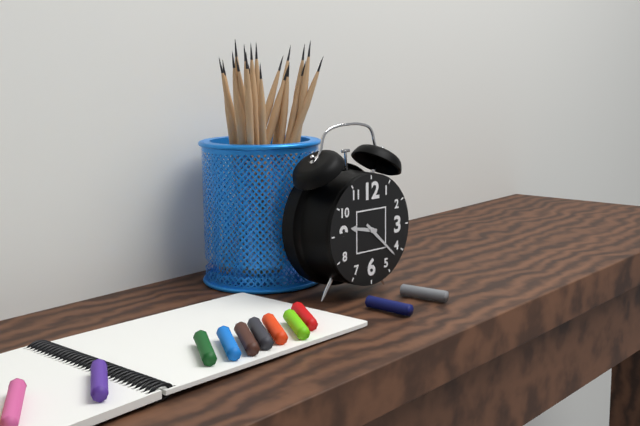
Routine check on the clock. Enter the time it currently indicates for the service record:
9:22
